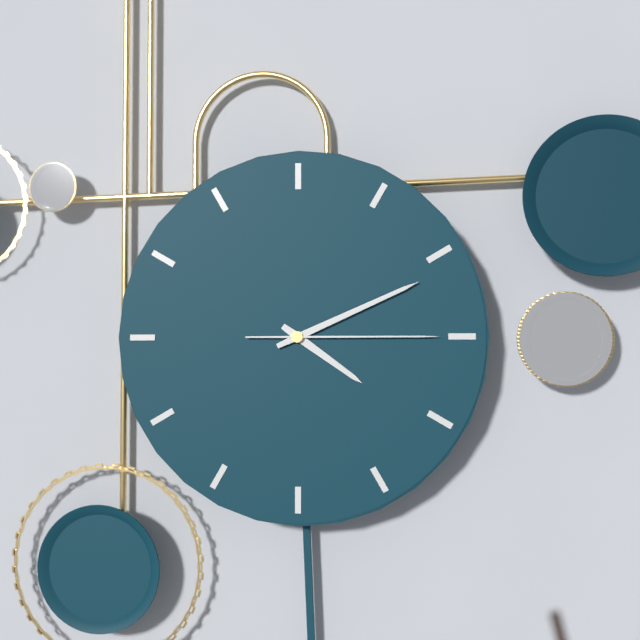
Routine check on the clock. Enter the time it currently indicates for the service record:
4:11:15
